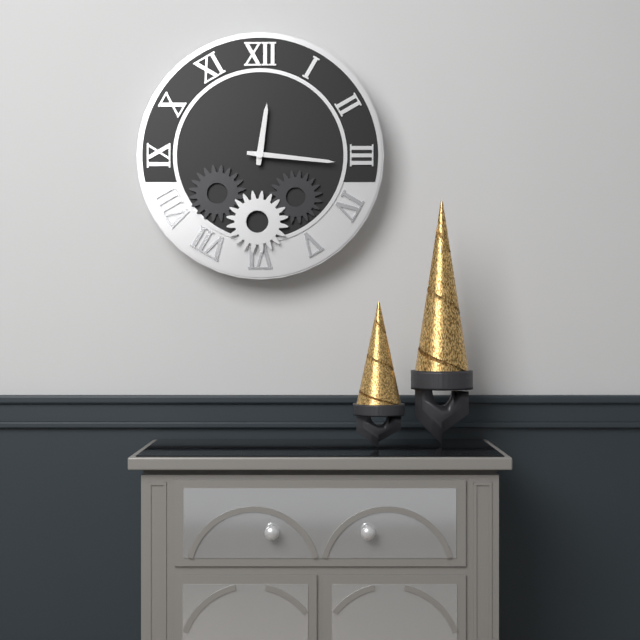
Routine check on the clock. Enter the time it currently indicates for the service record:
12:16
